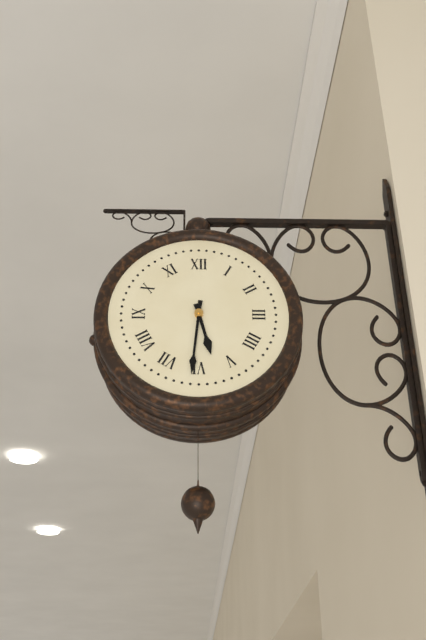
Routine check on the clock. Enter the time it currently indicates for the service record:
5:31
